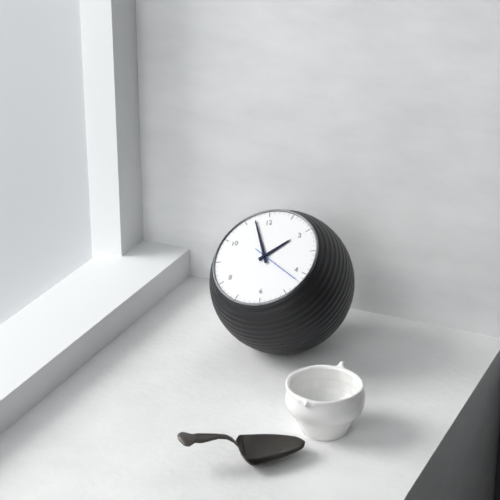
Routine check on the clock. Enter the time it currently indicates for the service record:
1:57
